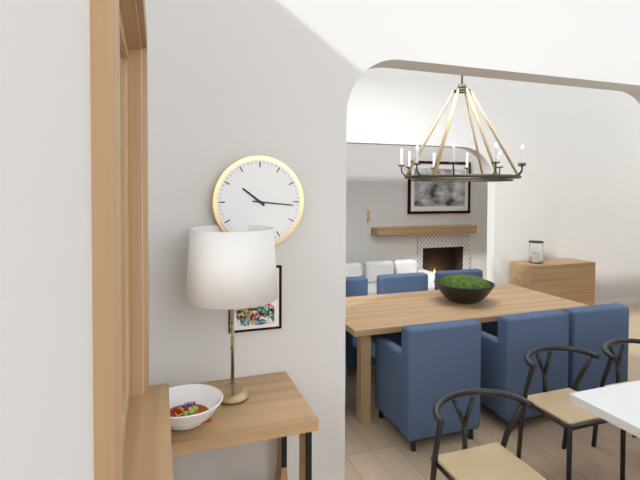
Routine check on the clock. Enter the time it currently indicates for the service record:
10:16
